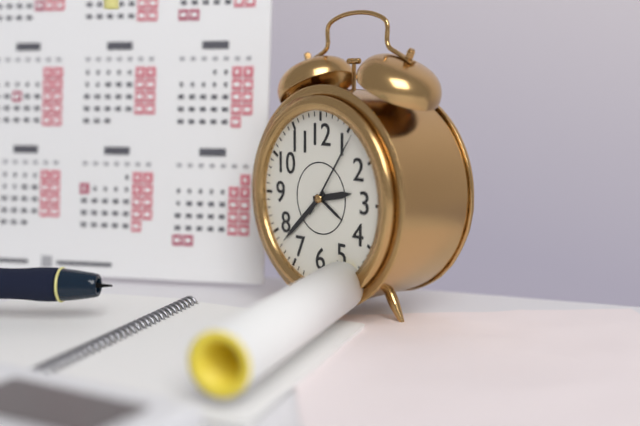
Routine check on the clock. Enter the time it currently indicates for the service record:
2:38:06
